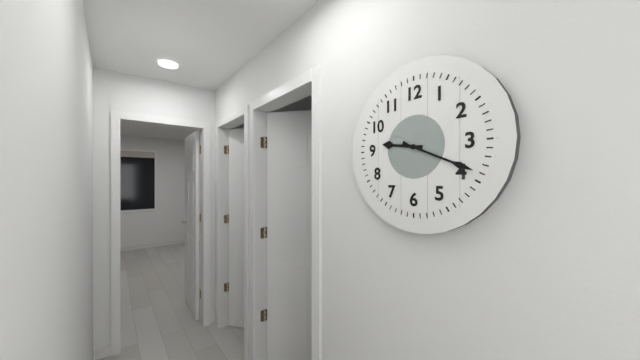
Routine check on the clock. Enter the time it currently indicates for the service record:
9:19
